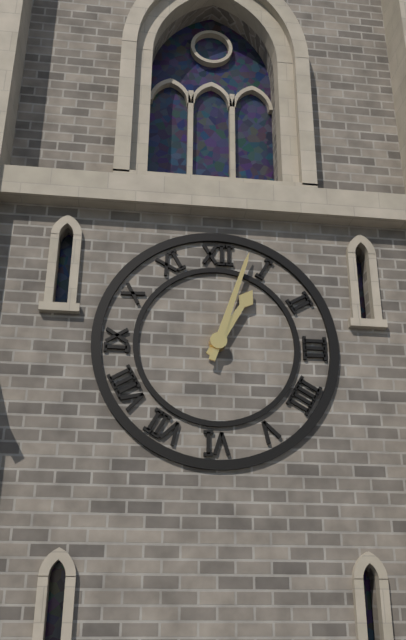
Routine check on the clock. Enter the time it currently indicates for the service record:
1:03
